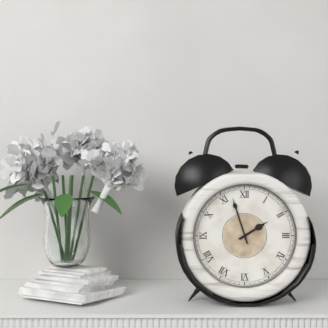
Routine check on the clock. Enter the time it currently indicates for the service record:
1:57
